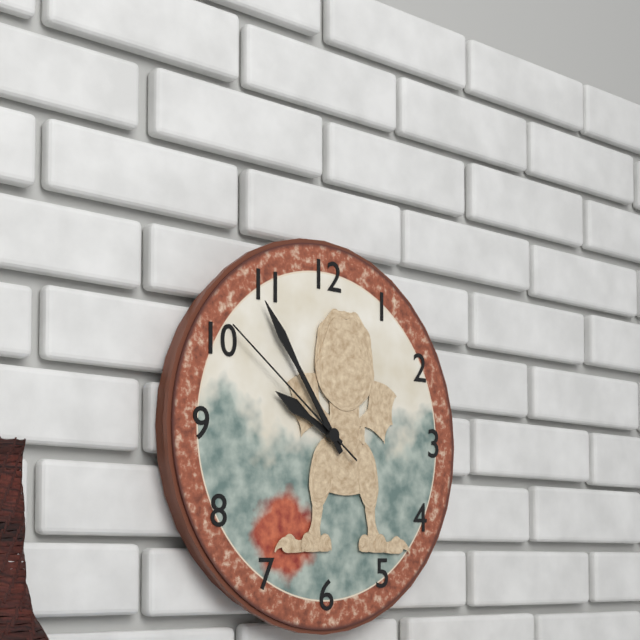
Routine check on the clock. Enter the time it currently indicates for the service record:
9:54:51
